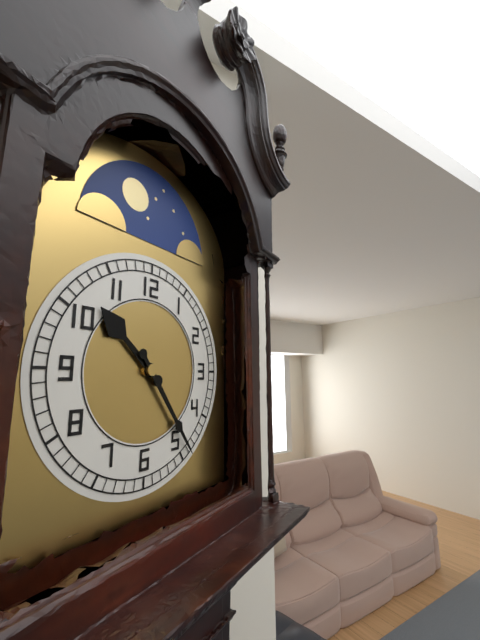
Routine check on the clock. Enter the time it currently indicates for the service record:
10:24
